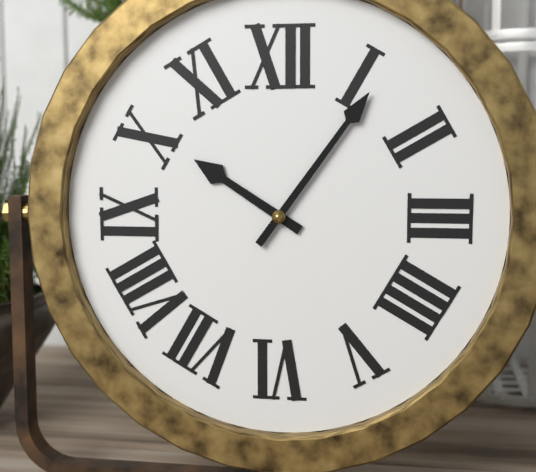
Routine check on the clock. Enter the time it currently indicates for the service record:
10:06
